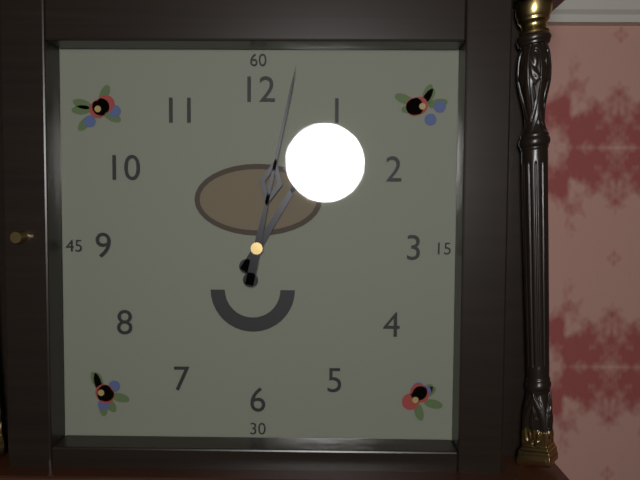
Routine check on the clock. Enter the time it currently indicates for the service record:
1:02
